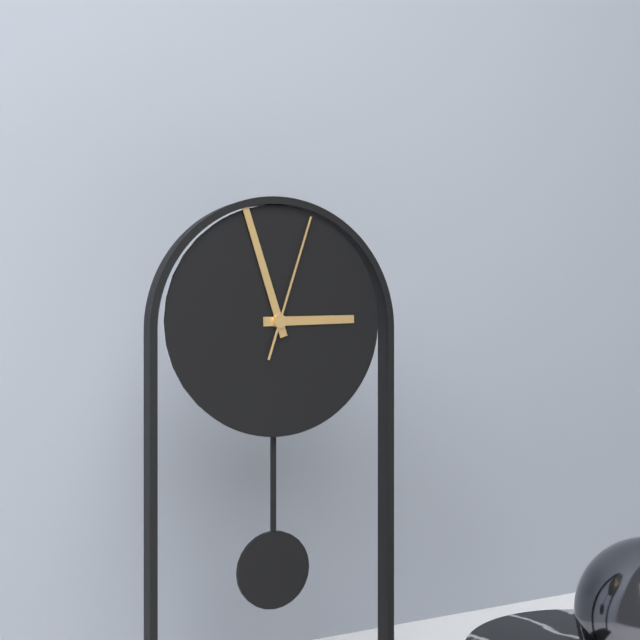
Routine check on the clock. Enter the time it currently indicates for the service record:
2:57:03
